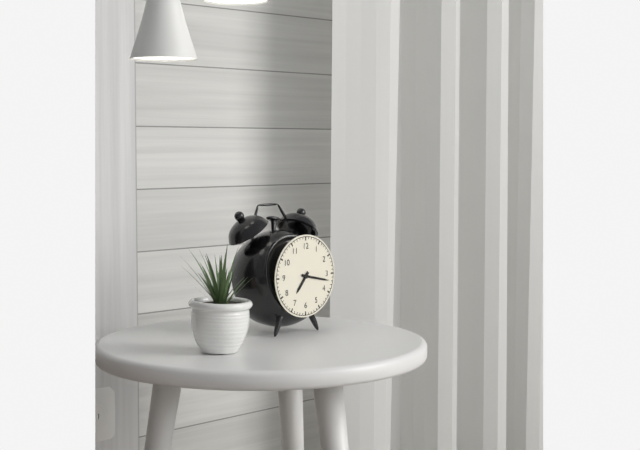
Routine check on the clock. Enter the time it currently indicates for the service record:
7:17
